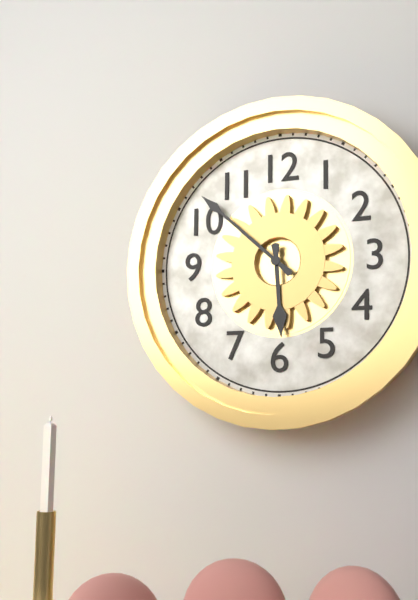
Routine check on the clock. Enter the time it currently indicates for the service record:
5:52
